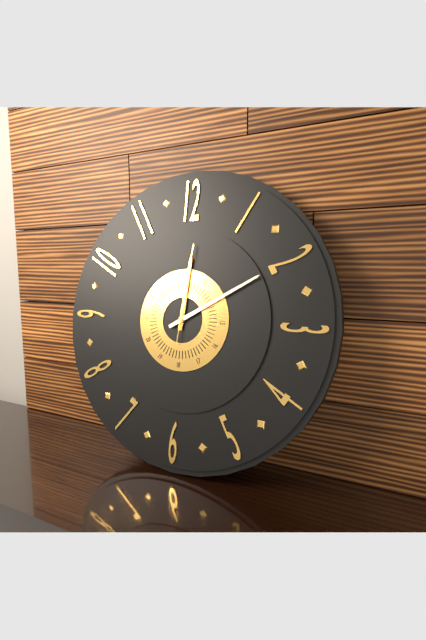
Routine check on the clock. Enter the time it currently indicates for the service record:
12:10:01
